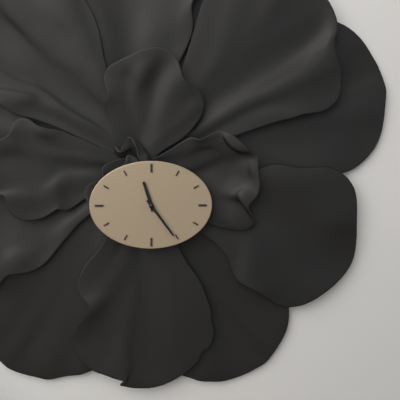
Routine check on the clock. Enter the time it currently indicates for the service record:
11:24
